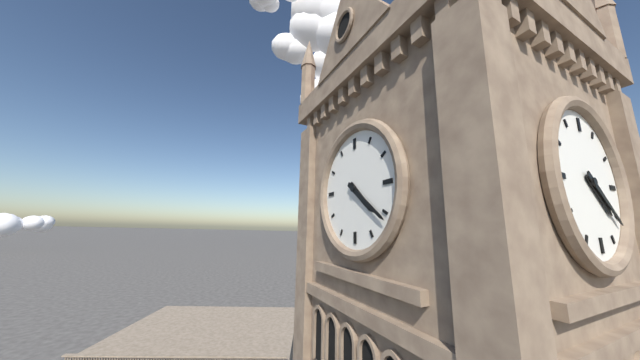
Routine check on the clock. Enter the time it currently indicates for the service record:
4:21
